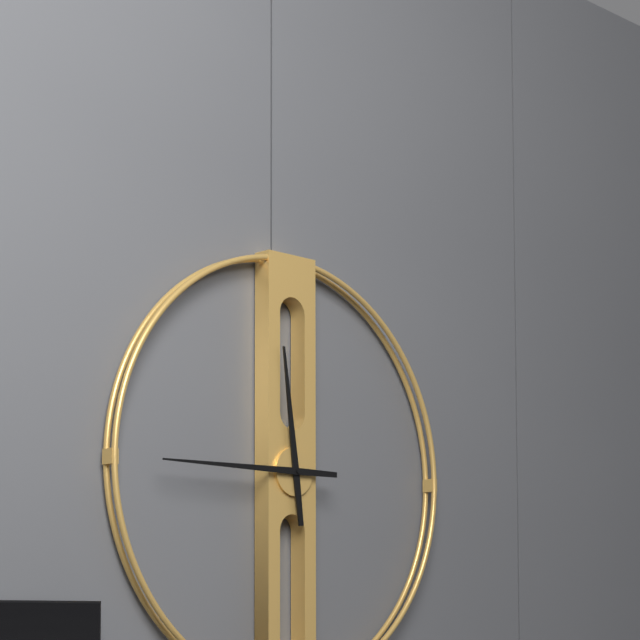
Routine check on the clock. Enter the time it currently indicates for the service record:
11:45
